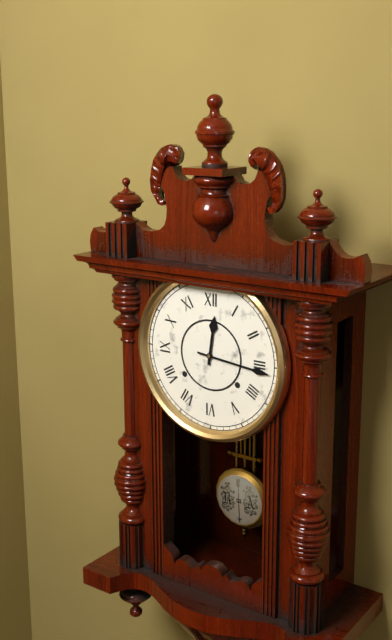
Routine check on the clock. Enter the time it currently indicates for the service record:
12:16
